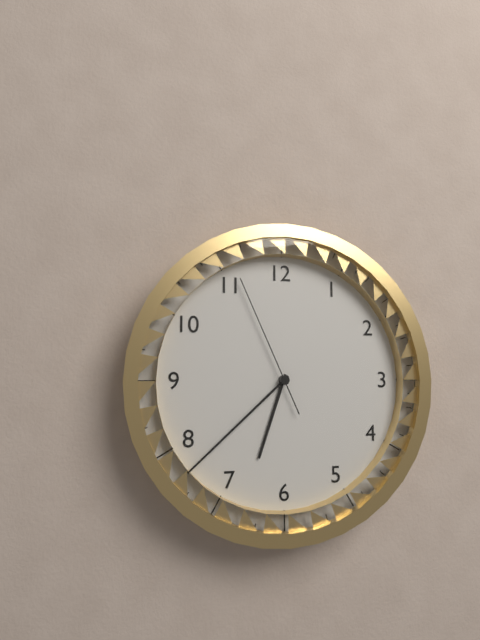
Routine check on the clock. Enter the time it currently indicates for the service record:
6:38:56
